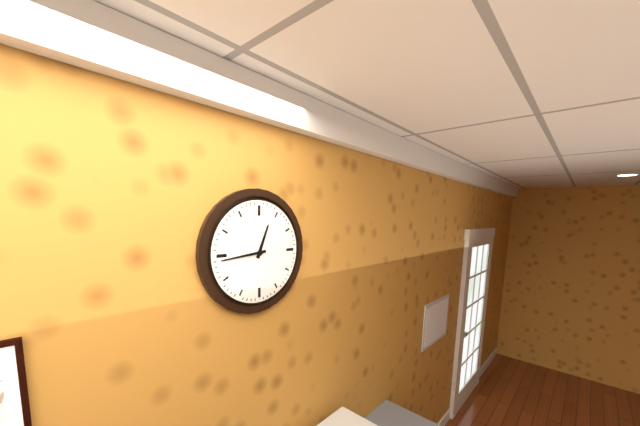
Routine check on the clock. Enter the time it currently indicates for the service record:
12:44
